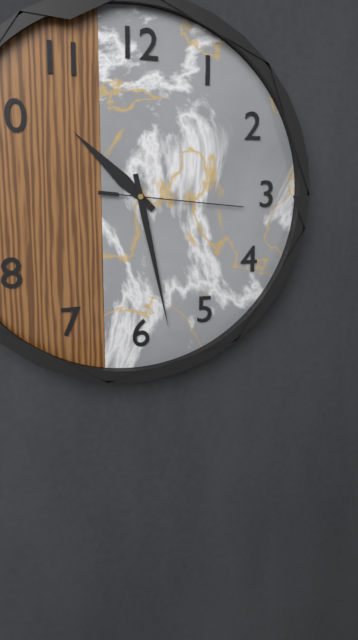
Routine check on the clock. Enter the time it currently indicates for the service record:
10:28:16
